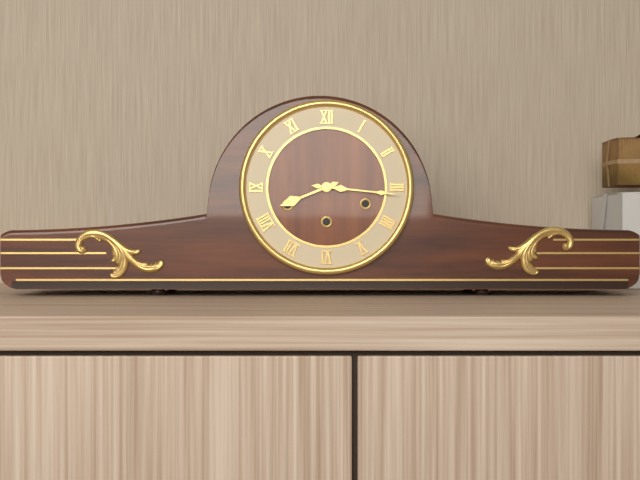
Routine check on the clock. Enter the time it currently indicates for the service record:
8:16
